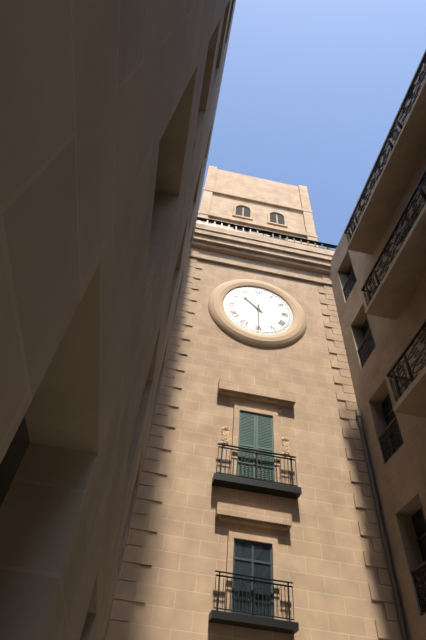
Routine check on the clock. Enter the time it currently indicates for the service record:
10:30
